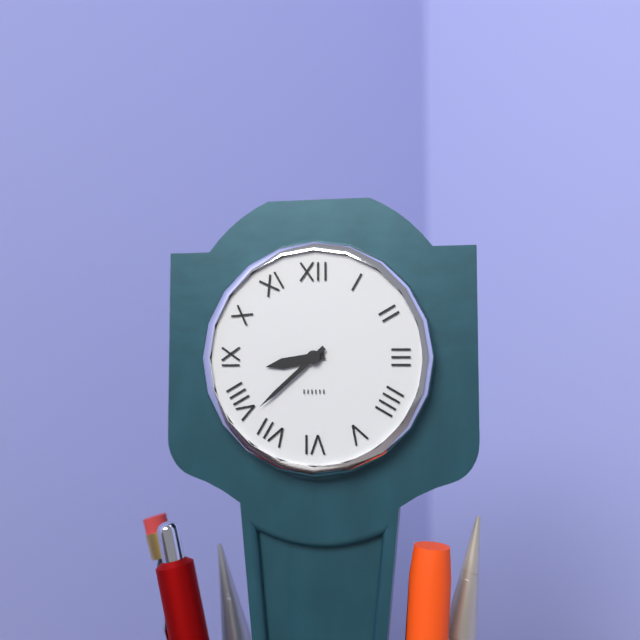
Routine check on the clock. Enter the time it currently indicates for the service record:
8:38
